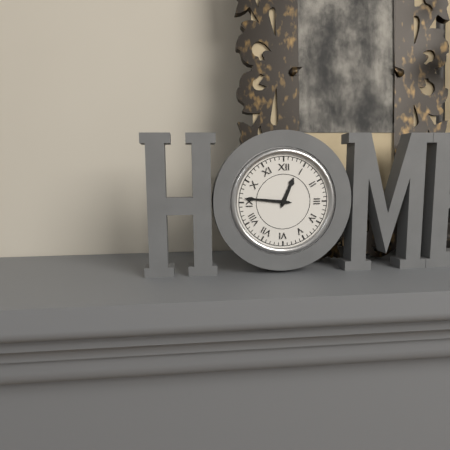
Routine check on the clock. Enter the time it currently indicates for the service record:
12:46
